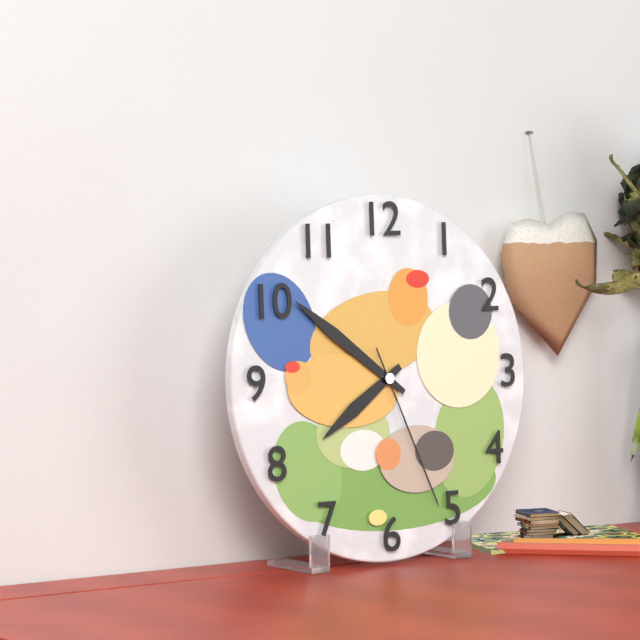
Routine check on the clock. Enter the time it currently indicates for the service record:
7:51:26
